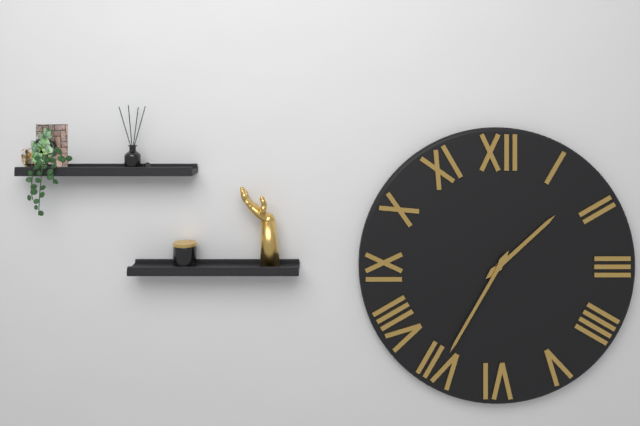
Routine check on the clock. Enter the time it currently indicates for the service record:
1:35
